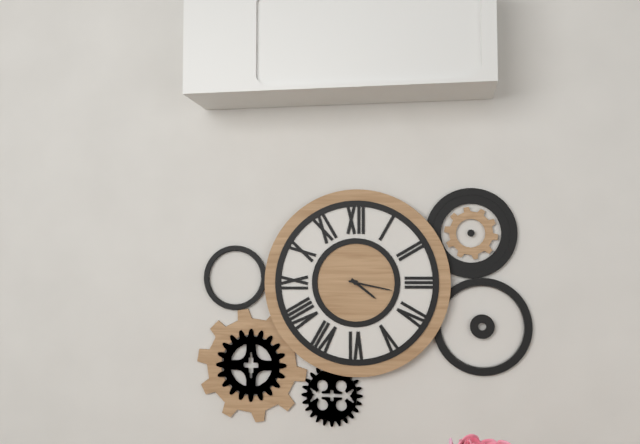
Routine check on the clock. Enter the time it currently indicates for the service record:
4:17
